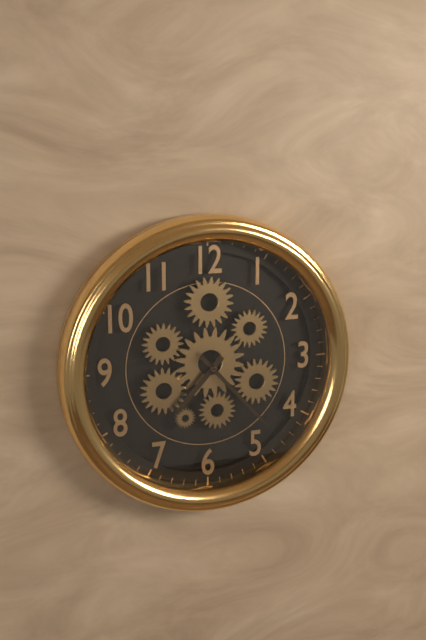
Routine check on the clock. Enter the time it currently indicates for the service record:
7:23
